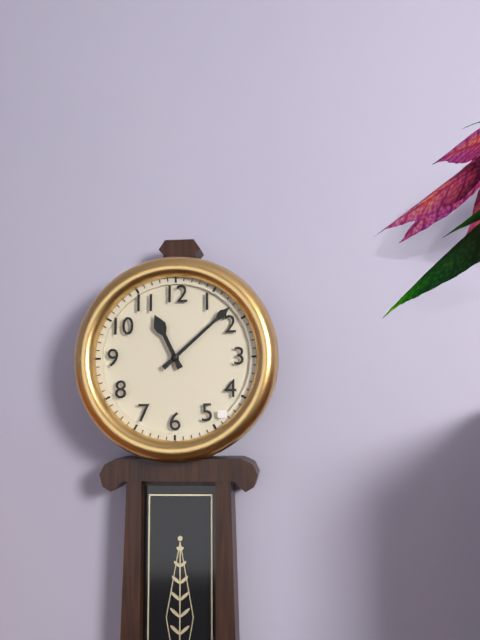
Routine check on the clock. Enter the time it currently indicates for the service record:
11:08
